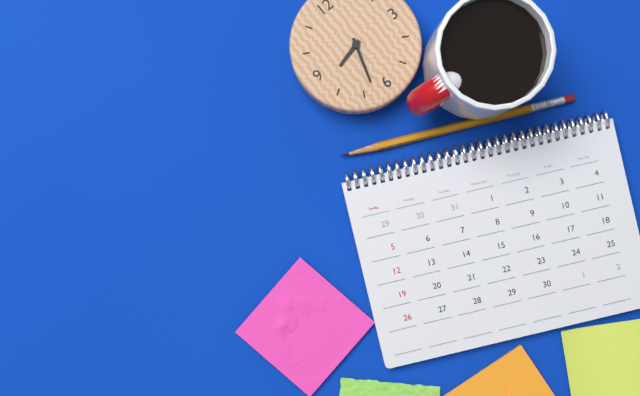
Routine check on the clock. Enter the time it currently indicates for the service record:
8:33
